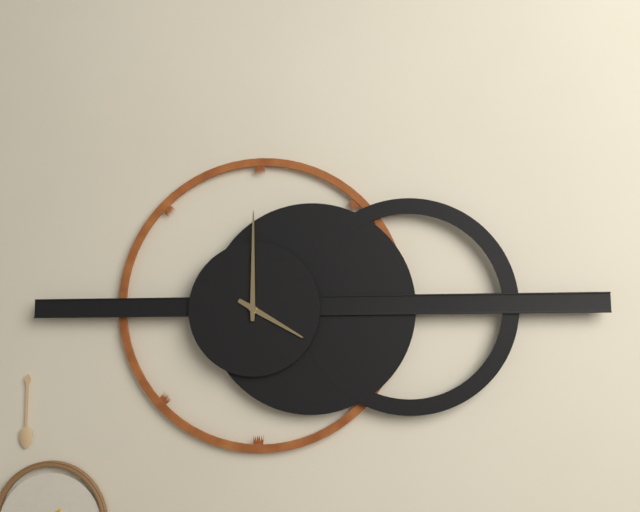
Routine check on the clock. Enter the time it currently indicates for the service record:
4:00
